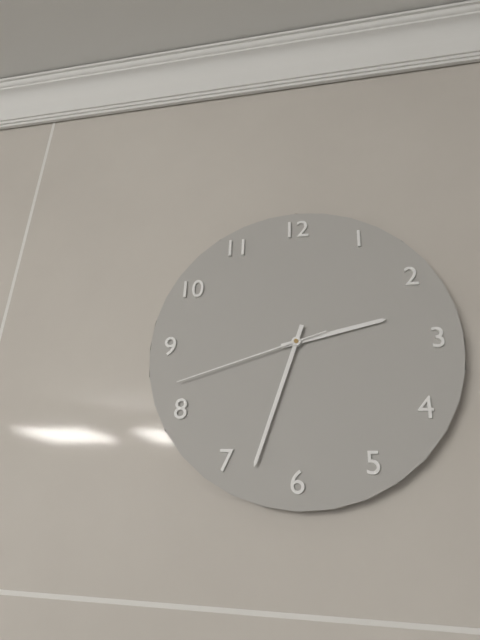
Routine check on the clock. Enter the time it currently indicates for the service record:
2:33:42
